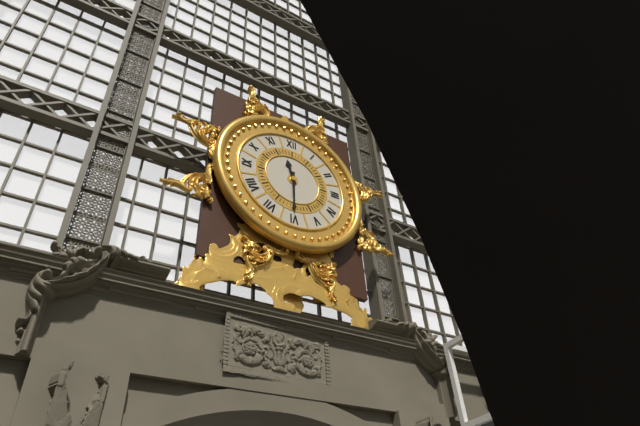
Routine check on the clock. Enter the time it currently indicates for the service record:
11:30
